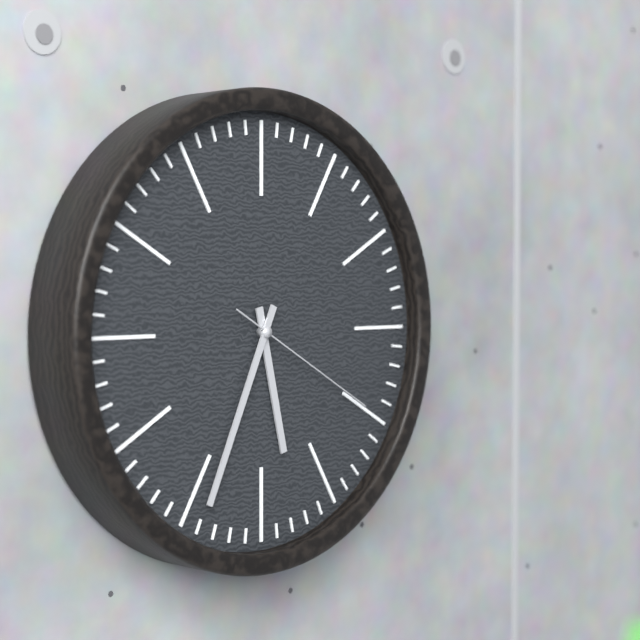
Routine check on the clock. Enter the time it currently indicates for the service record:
5:34:20
